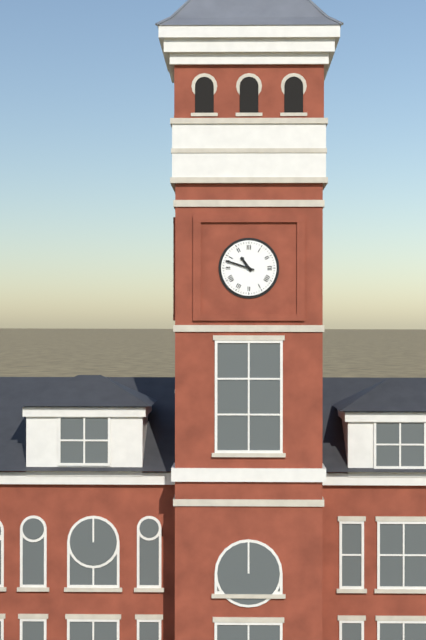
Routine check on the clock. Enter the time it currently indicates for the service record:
10:48
